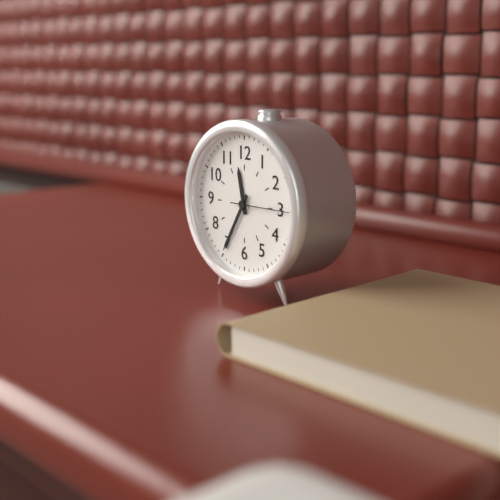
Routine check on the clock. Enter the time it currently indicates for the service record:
11:35:15
